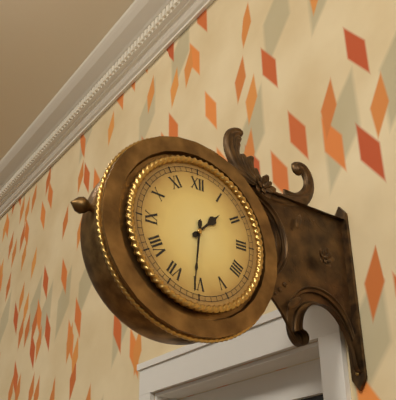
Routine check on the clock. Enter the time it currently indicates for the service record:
1:31
